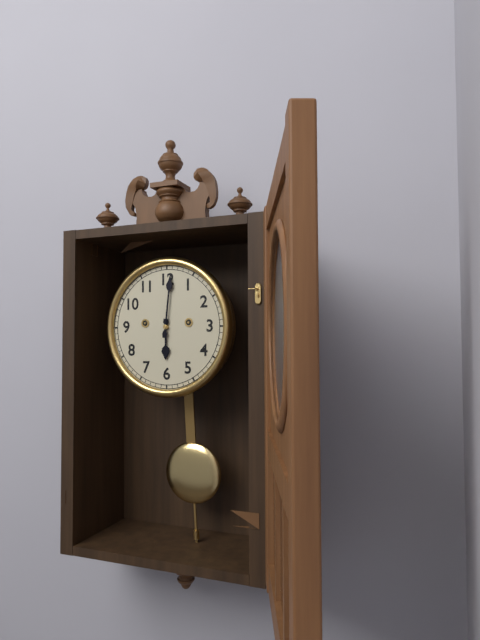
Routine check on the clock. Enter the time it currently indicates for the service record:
6:01
